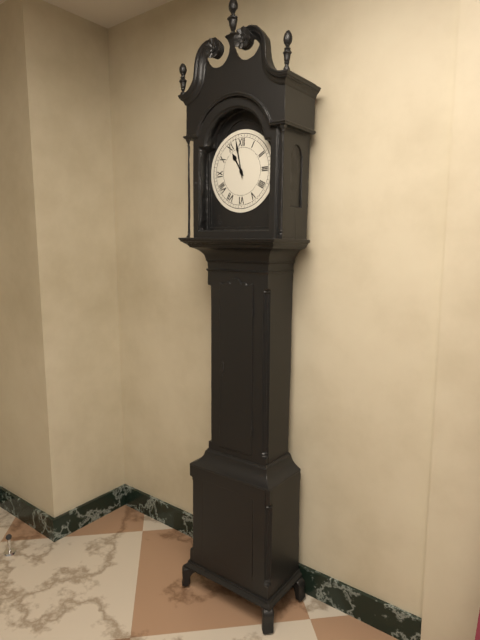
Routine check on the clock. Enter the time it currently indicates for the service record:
10:58
